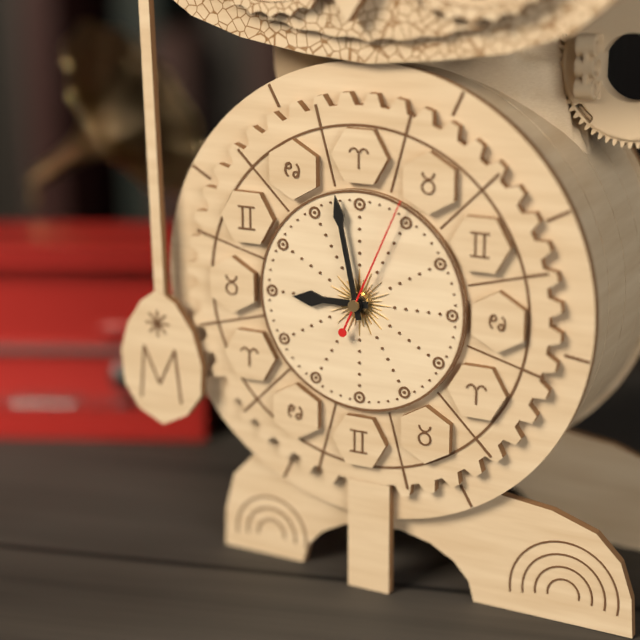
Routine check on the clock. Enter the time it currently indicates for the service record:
8:58:04
